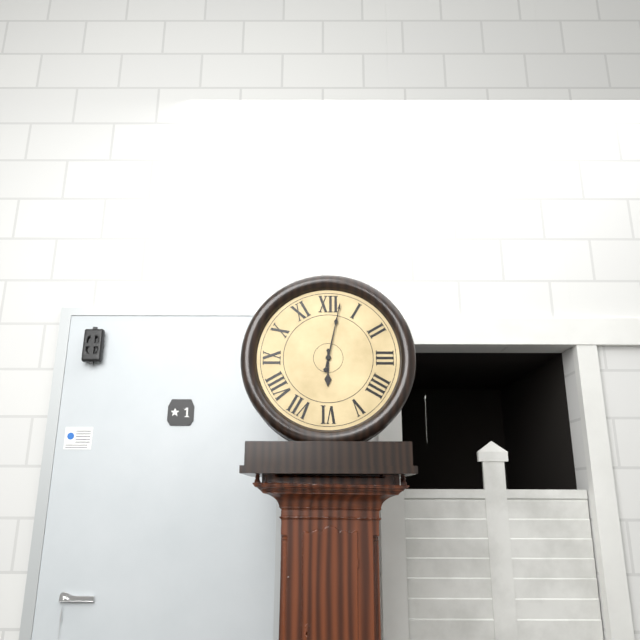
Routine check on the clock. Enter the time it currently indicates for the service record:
6:02
